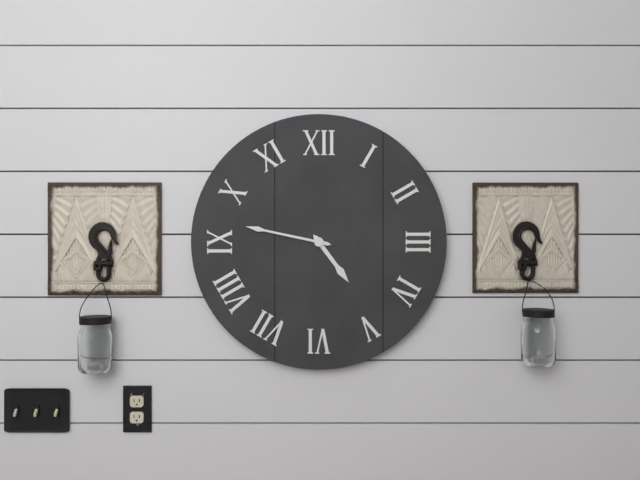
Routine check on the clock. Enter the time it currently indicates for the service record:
4:47
